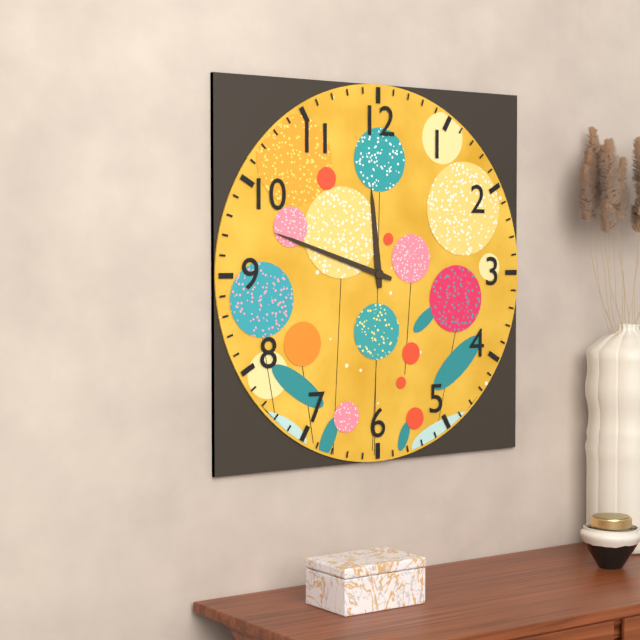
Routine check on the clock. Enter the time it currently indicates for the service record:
11:48
